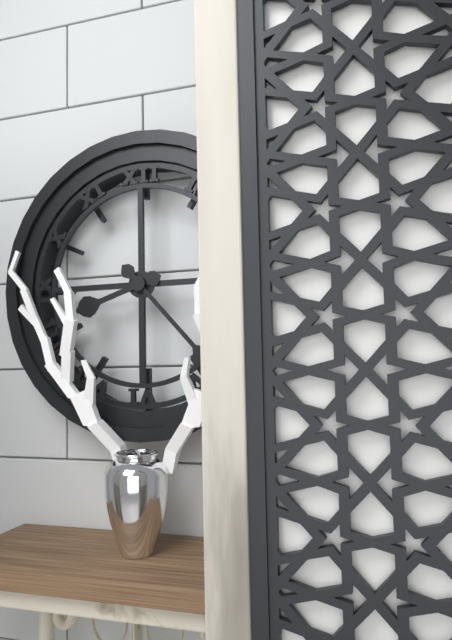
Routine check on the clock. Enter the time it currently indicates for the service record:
8:23
